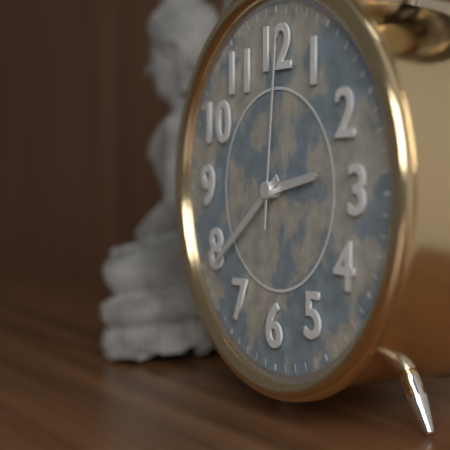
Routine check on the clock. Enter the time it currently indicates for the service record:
2:39:01
